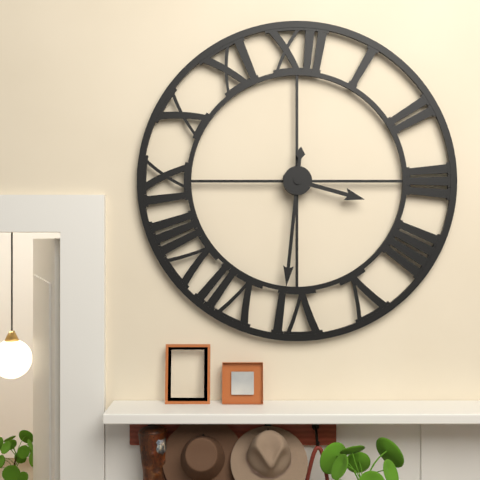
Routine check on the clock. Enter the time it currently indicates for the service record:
3:31
